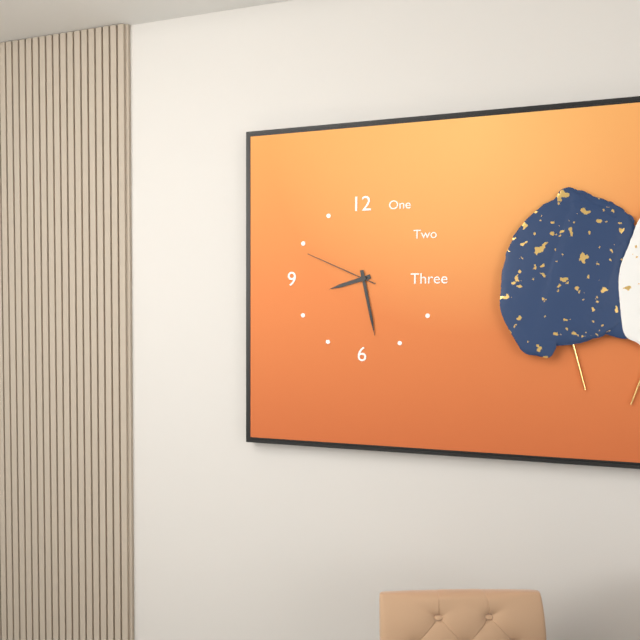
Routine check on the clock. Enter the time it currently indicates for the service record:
8:28:49
